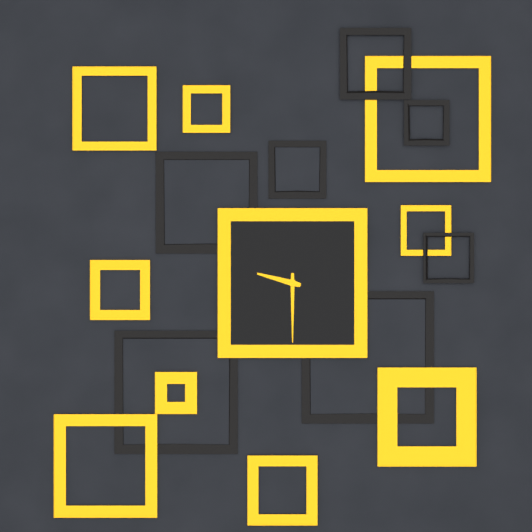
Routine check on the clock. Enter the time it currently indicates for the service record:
9:30
